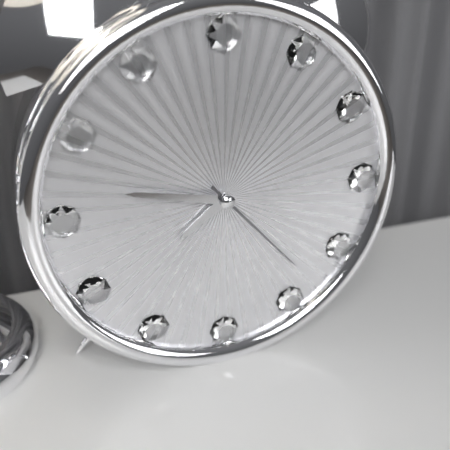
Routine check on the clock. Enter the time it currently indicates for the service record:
7:47:23
